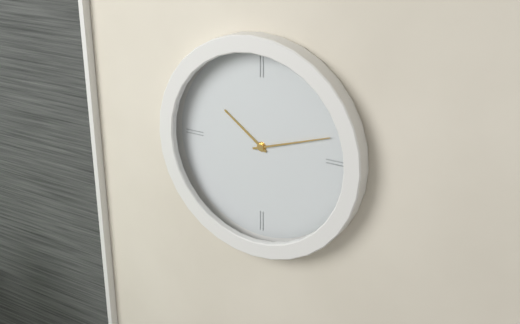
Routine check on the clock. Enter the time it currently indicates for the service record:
10:12
